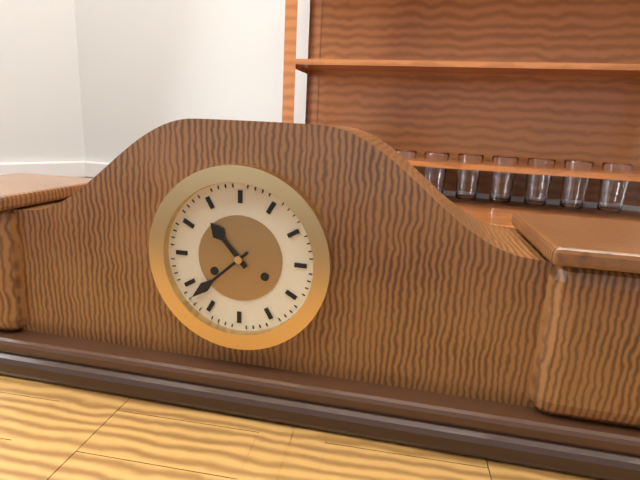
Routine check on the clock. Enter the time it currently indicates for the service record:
10:38
